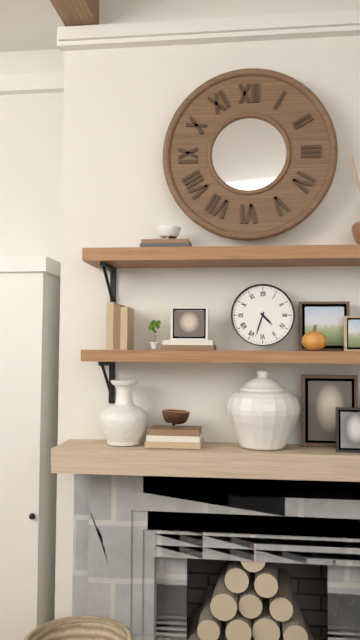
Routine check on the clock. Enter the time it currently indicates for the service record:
4:33
